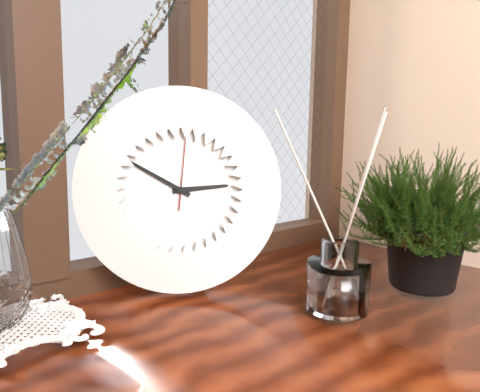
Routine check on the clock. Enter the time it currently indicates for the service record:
2:50
